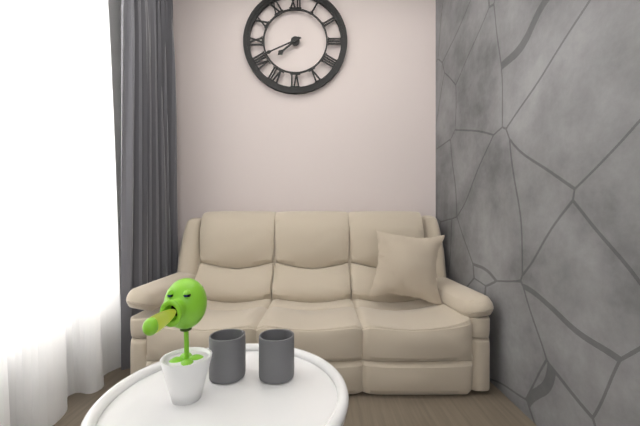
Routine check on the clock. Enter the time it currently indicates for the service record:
7:41
